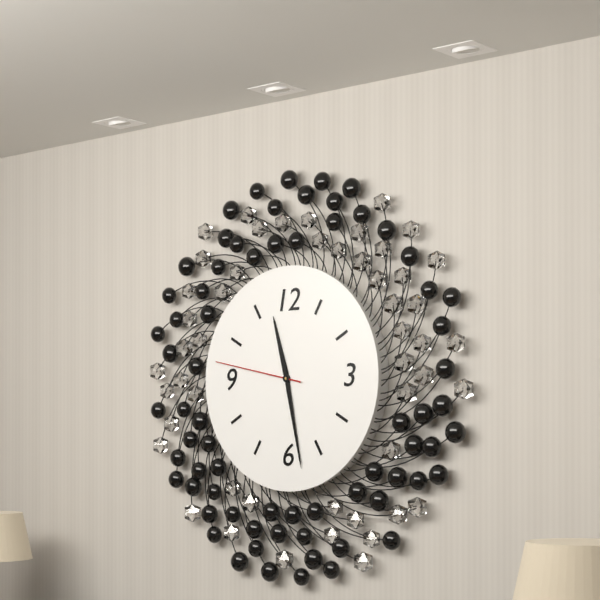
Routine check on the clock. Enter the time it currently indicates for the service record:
11:28:47
